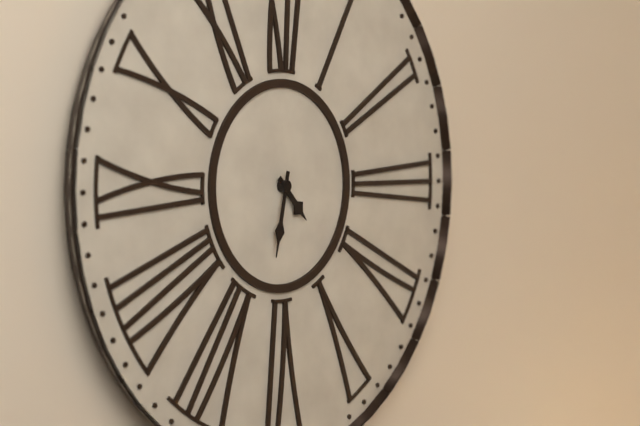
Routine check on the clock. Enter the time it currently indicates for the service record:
4:32
